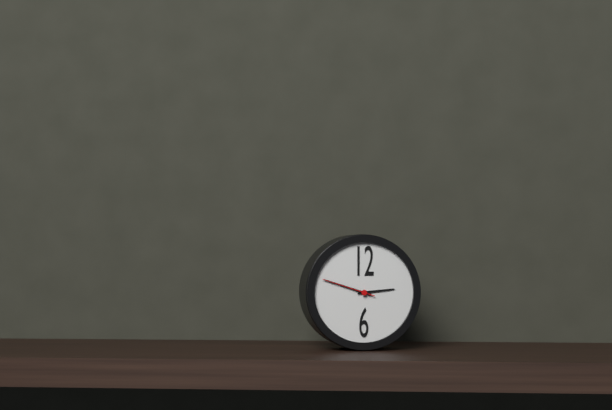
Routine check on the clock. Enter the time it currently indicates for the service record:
2:48:48
